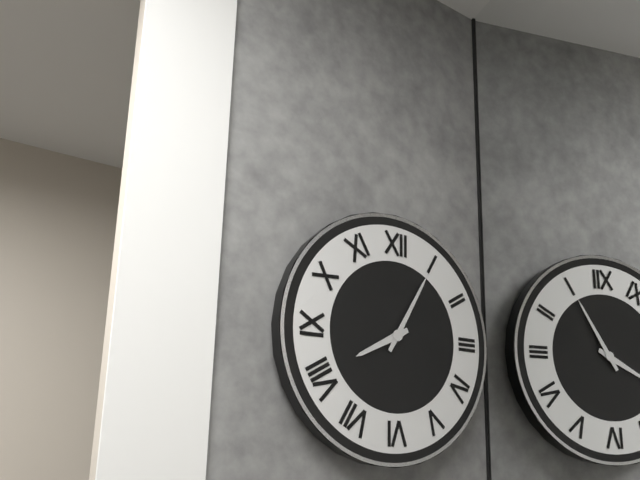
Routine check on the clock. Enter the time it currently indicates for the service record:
8:05
